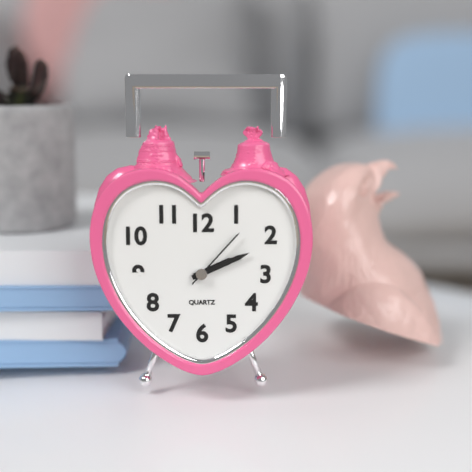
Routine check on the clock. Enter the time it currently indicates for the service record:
2:11:07
